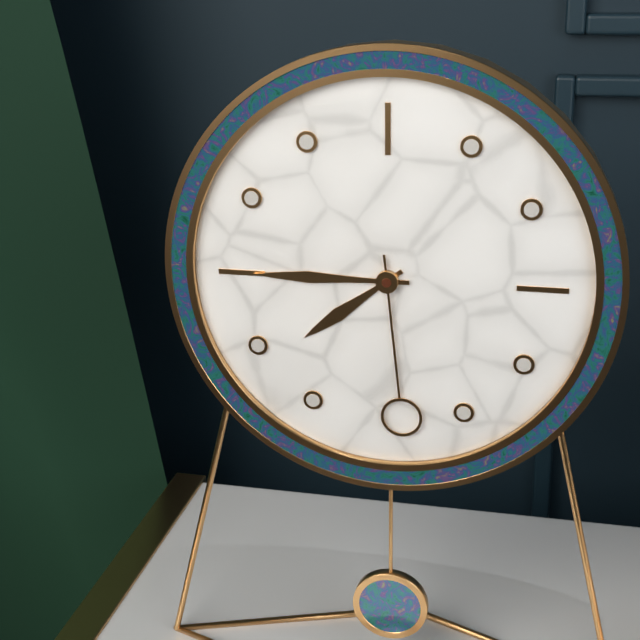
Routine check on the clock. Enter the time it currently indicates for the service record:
7:45:29
